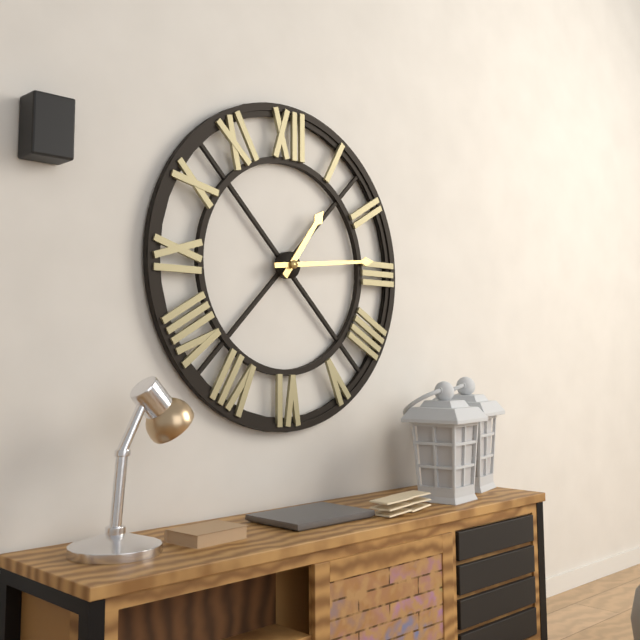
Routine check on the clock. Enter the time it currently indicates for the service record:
1:14
